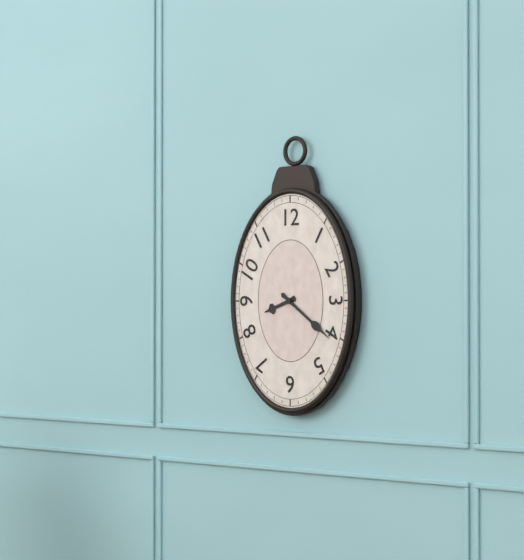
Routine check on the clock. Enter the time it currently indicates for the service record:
8:21
